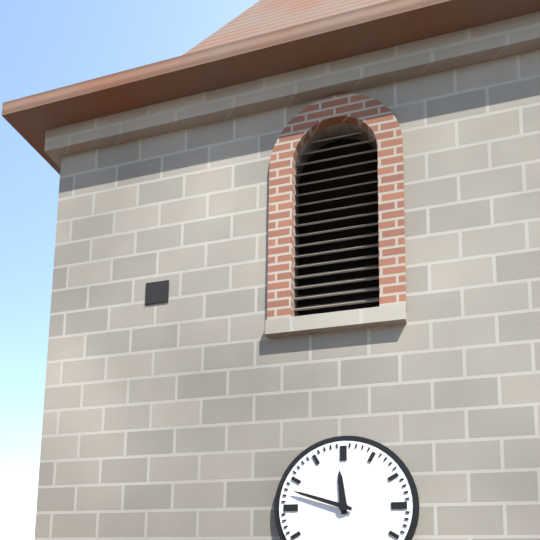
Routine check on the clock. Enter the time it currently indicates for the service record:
11:48
